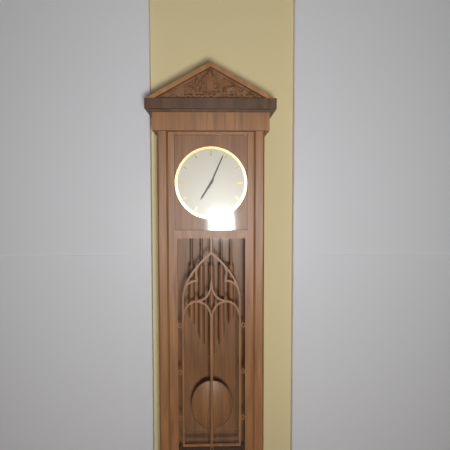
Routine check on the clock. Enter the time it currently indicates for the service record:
7:04
